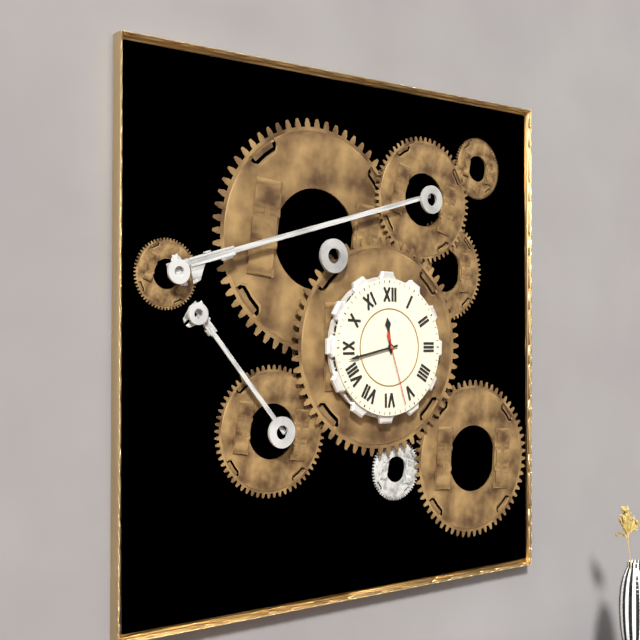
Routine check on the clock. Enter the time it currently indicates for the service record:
11:43:27
